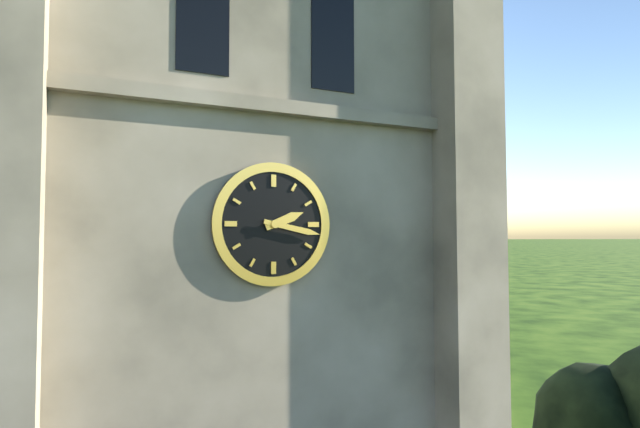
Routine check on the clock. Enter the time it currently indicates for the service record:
2:17
